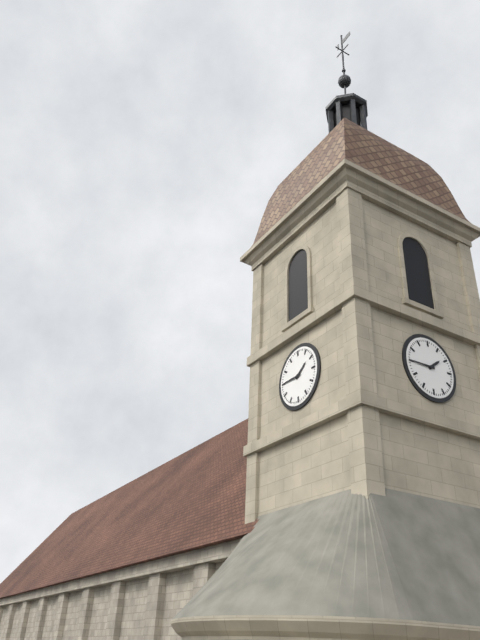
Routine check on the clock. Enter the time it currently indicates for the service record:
1:45
